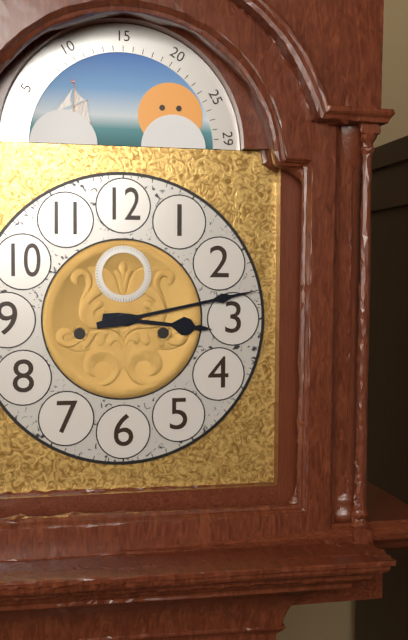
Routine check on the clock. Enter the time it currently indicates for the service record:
3:13
